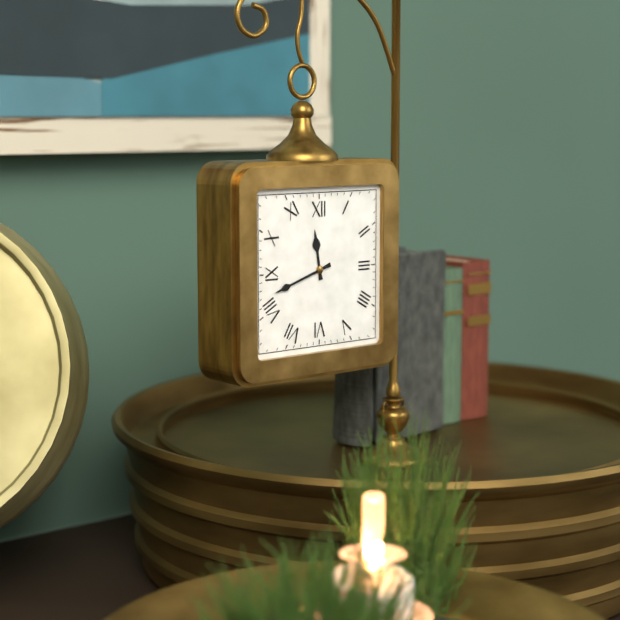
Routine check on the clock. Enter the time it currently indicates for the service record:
11:42
